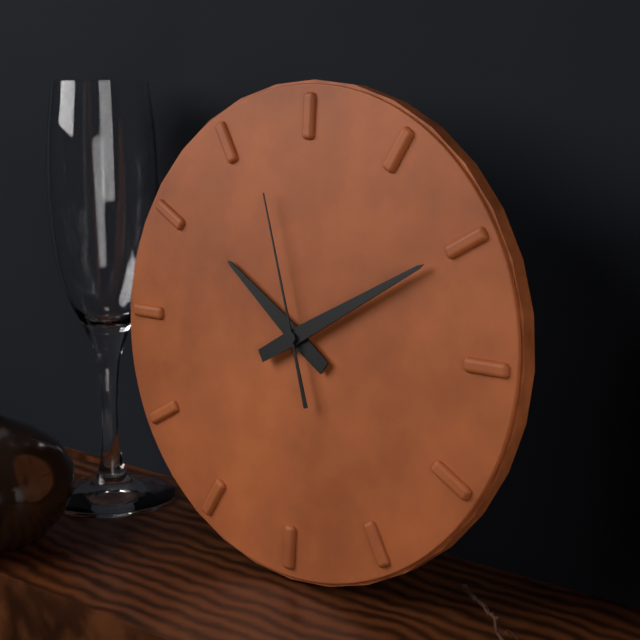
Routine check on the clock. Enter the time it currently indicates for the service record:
10:10:57
